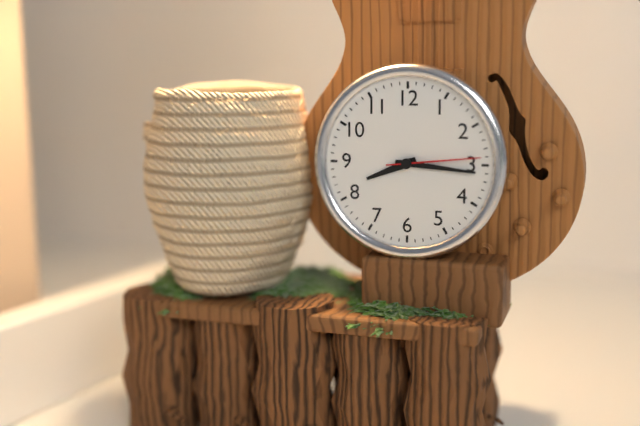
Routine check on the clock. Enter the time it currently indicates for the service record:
8:16:14
